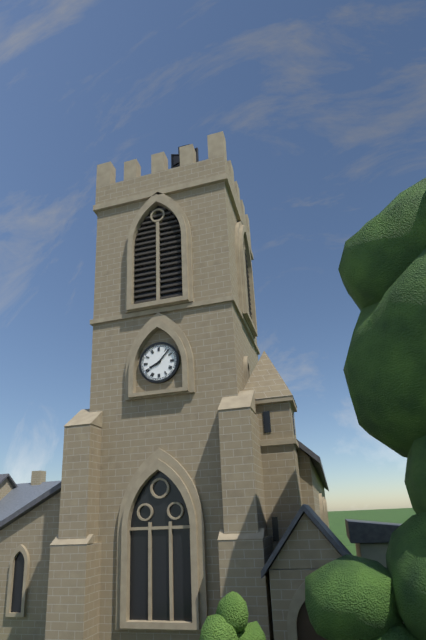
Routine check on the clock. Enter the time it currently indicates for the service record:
8:07
